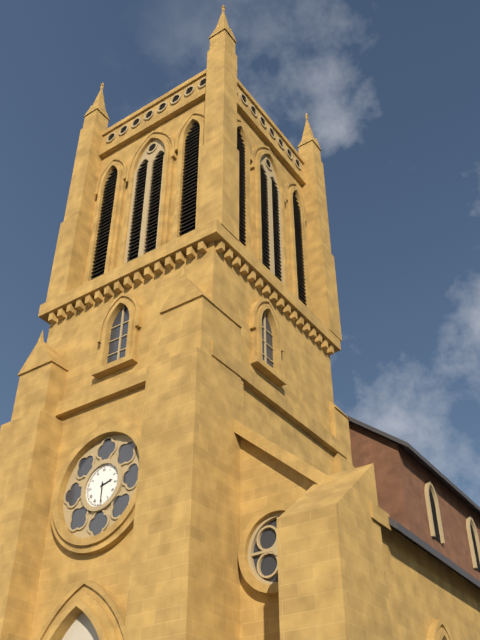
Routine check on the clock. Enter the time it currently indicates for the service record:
2:30
